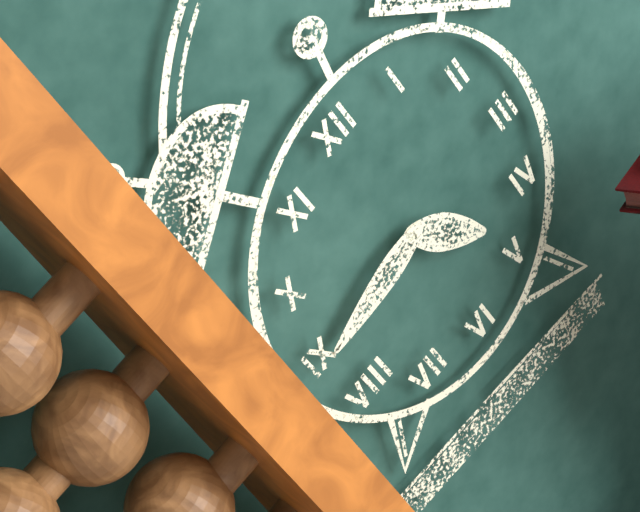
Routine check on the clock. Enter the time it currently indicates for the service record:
4:44
